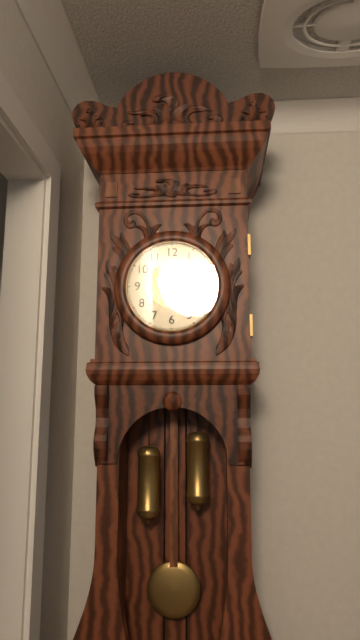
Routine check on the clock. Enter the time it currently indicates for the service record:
3:12
